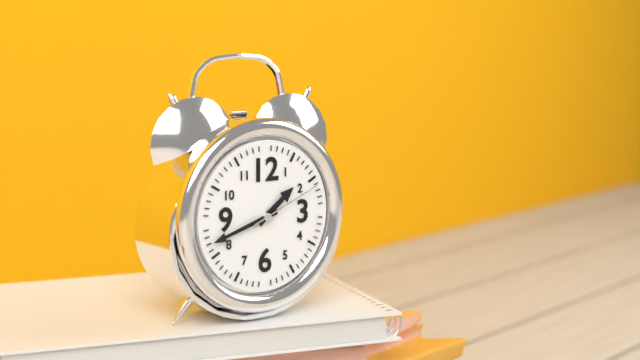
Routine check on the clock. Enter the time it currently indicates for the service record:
1:42:11
